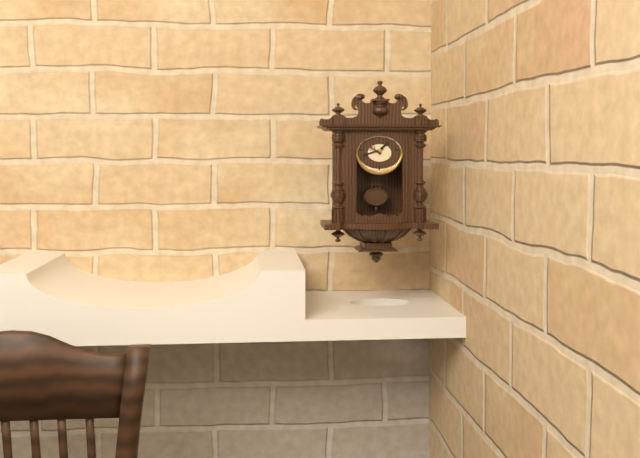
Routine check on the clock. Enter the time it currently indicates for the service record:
1:42
